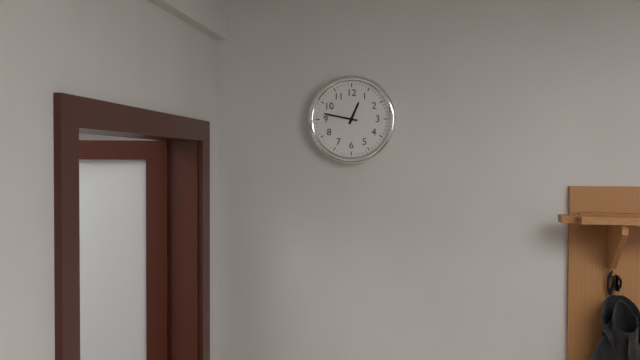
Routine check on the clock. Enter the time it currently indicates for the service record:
12:47
